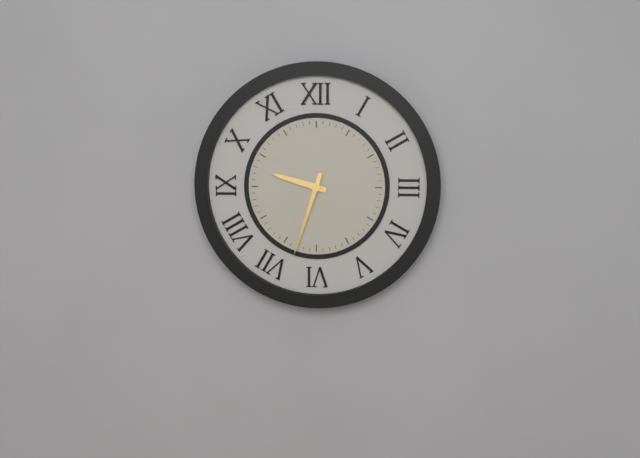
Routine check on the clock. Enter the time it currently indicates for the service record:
9:33
